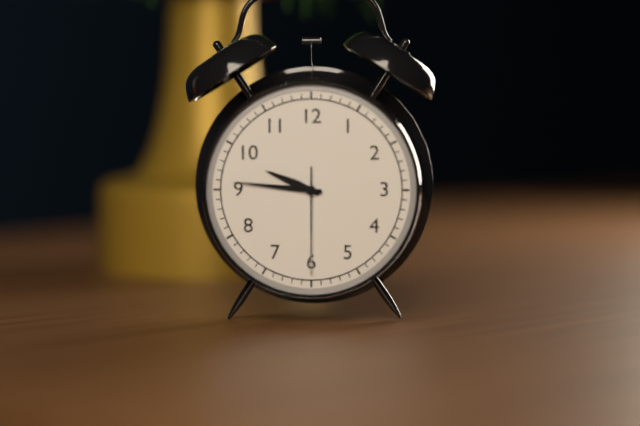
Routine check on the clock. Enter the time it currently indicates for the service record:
9:46:30
